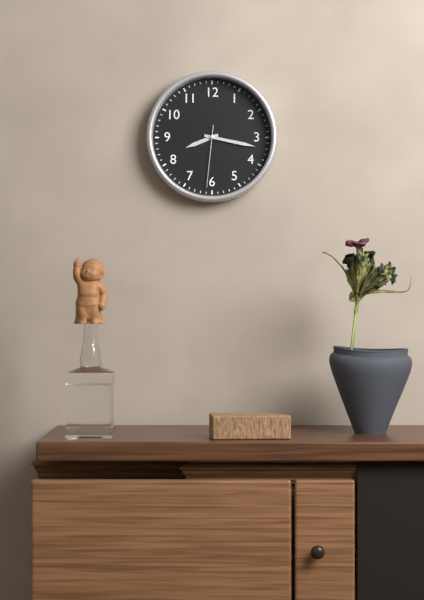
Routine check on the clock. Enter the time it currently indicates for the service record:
8:17:31
